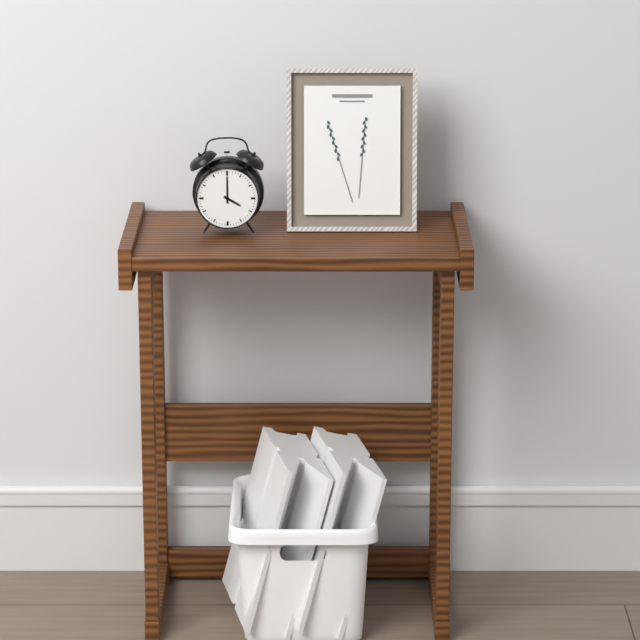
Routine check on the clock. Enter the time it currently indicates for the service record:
4:00
